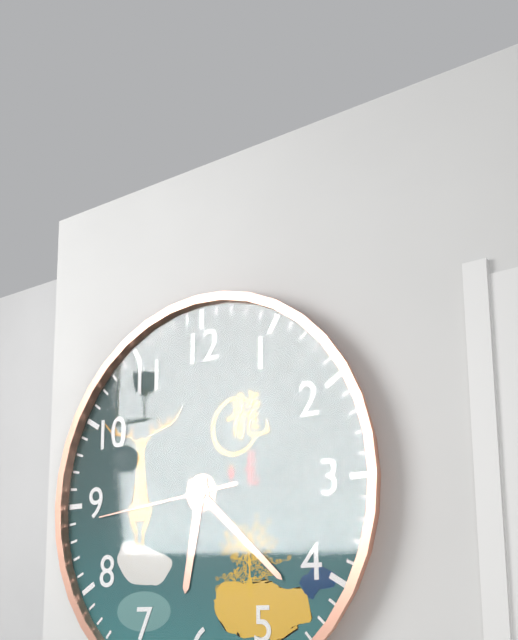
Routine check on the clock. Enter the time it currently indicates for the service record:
6:22:44
